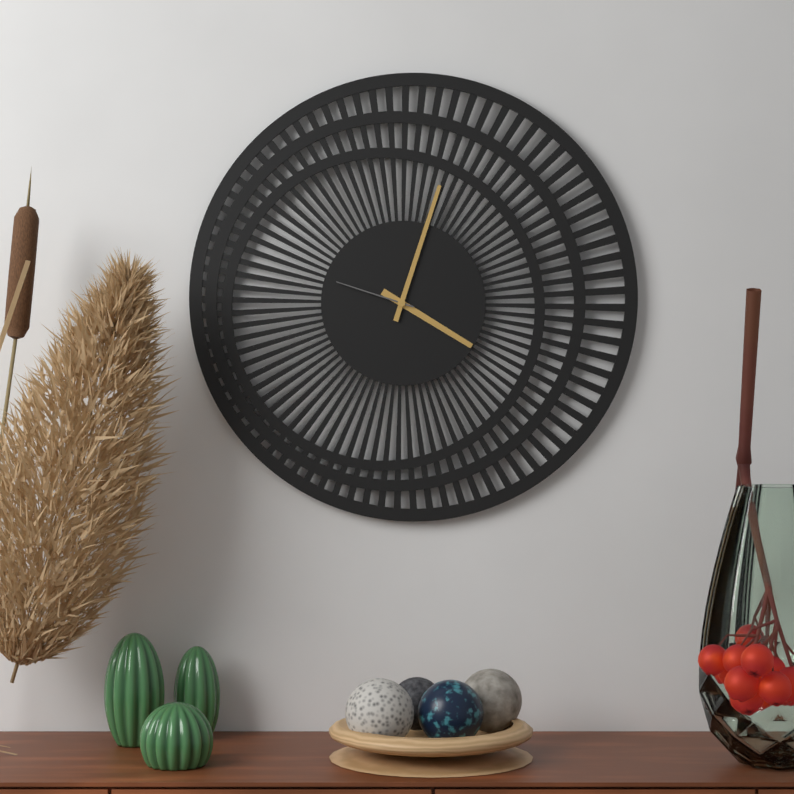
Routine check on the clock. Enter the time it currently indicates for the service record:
4:03:48
